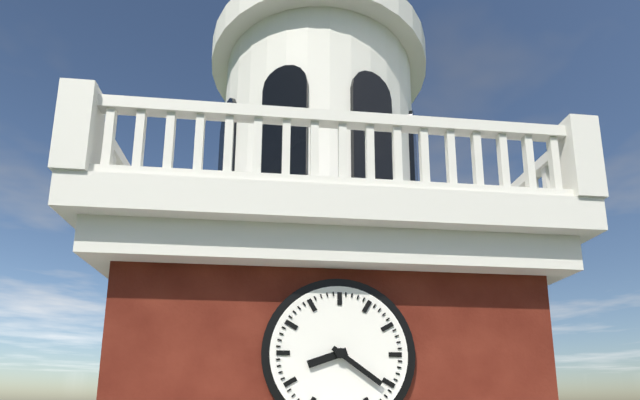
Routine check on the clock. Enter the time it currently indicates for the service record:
8:21
